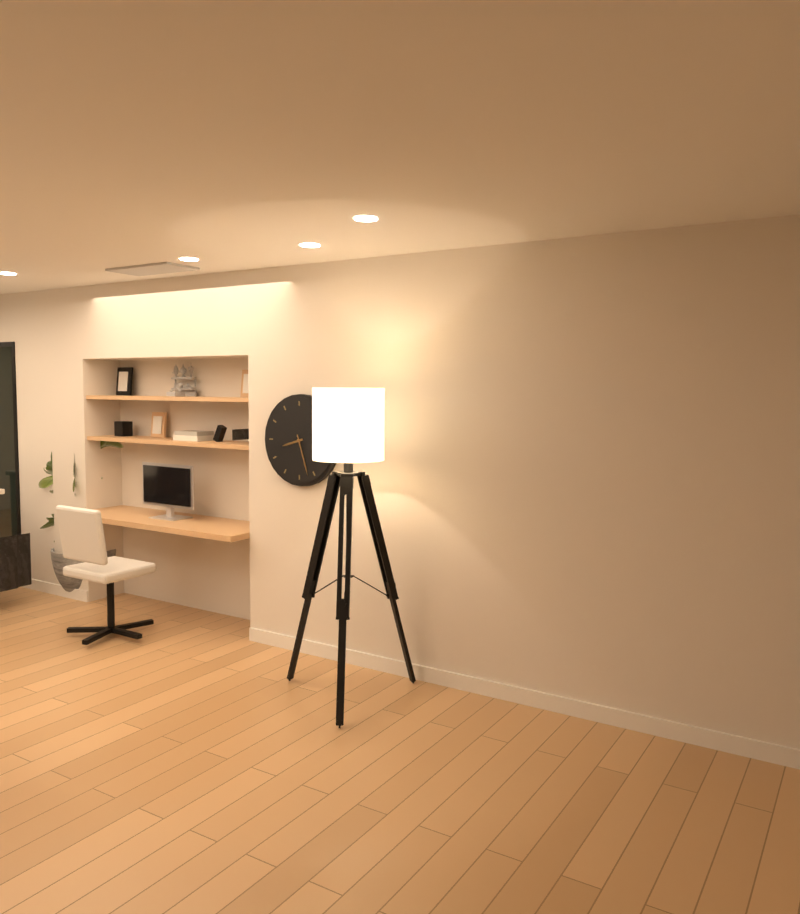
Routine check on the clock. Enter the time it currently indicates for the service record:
8:27
